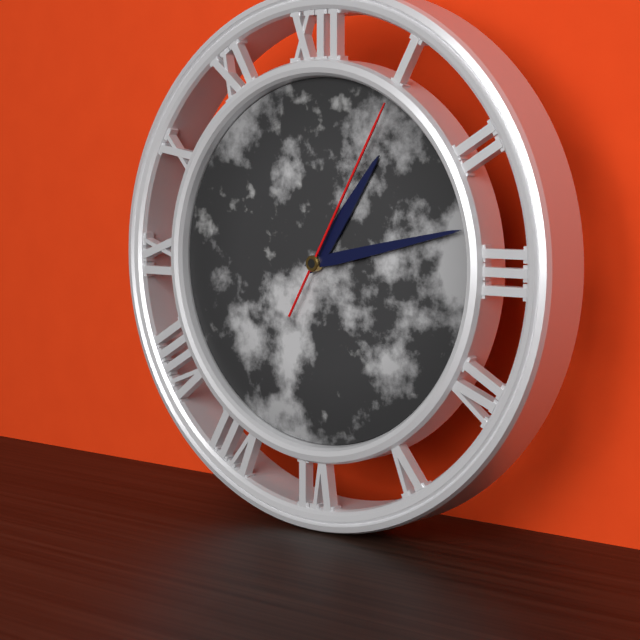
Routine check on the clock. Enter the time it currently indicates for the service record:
1:13:05
